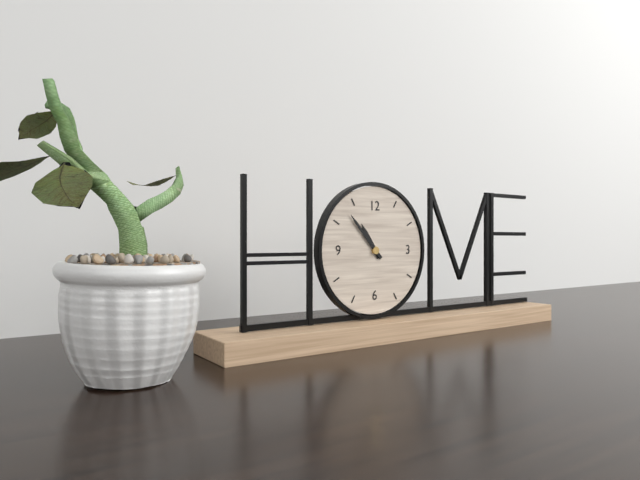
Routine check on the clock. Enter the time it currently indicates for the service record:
10:53
